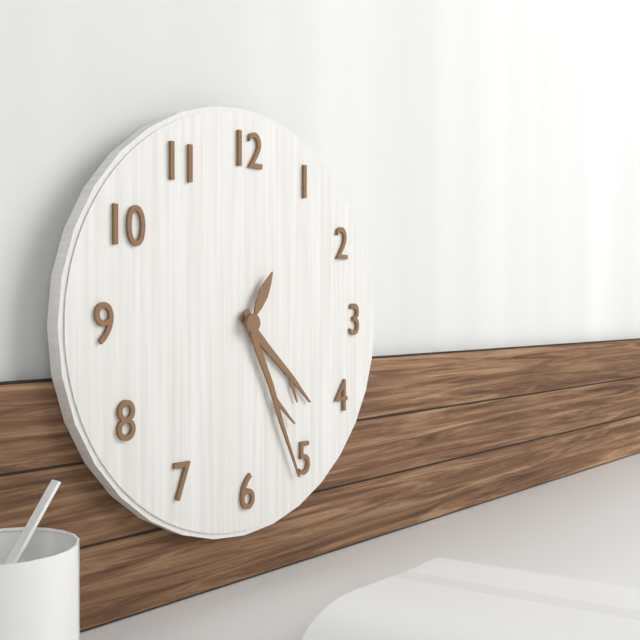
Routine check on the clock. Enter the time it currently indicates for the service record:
4:26:05
